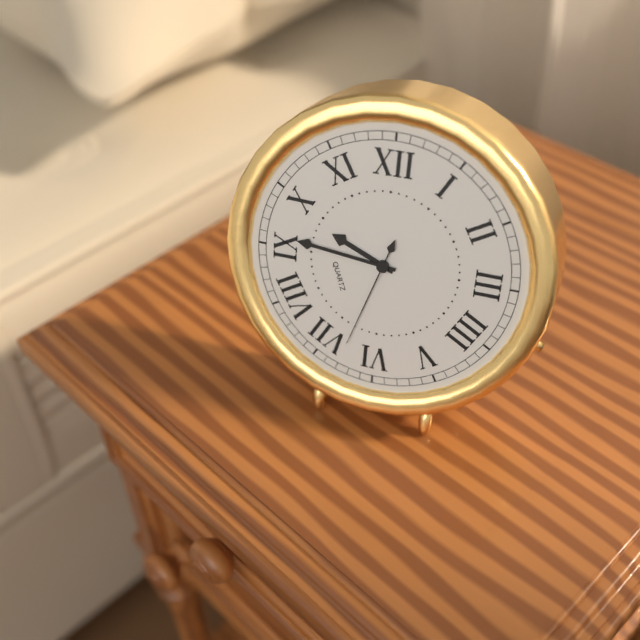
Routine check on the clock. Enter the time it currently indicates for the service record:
9:46:33
